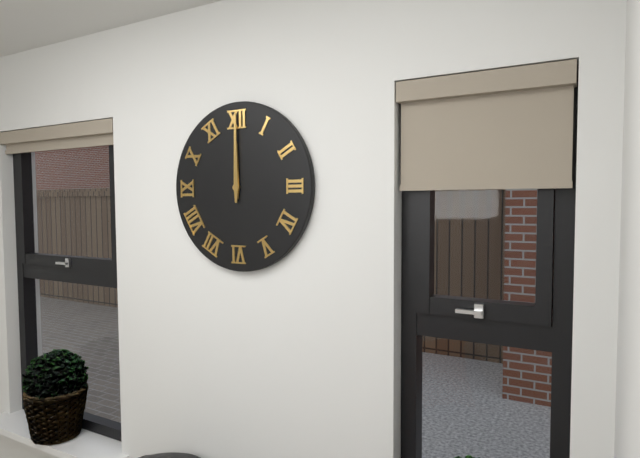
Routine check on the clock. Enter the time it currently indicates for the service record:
12:00
